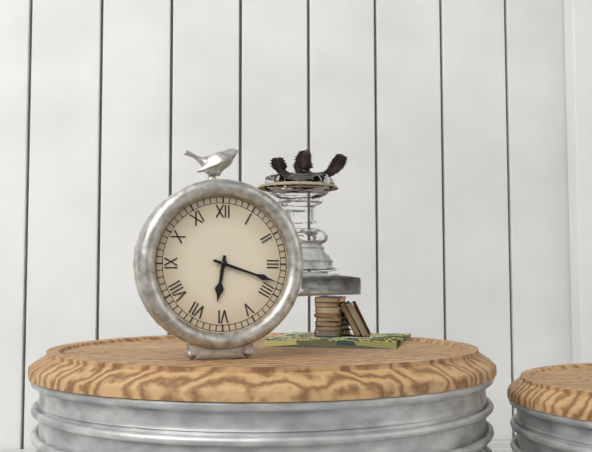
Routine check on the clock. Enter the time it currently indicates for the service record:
6:18
